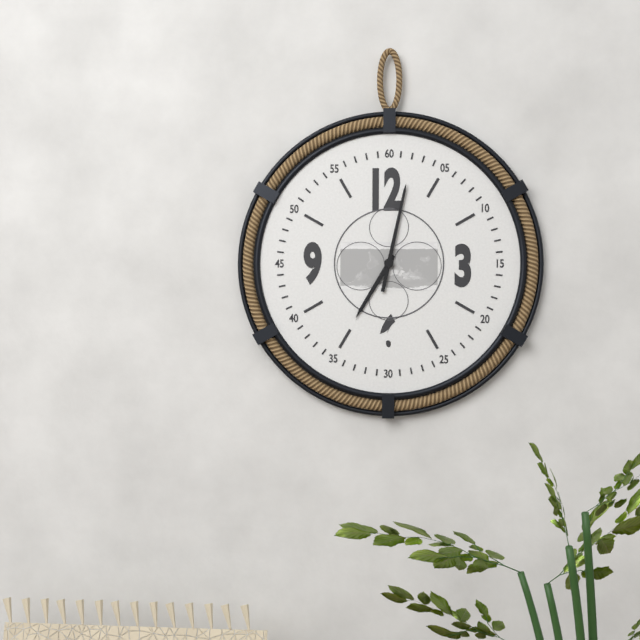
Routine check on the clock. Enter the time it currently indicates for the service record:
7:02
